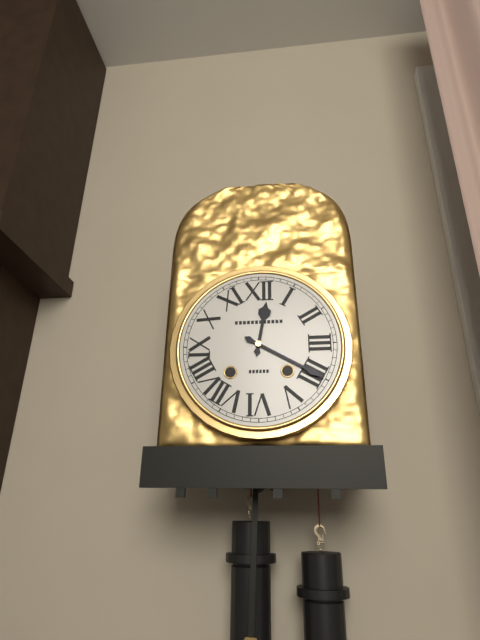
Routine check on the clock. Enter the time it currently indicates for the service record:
12:20
